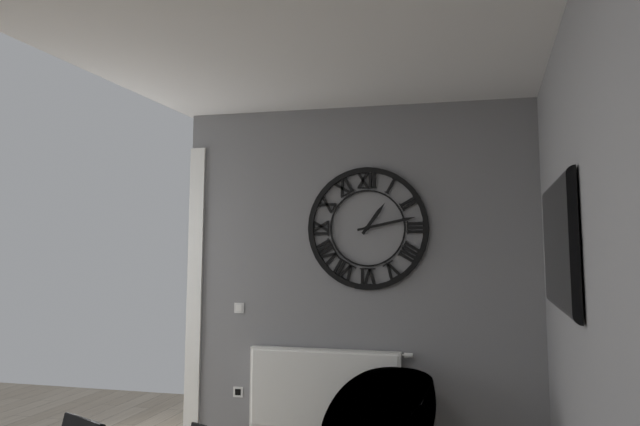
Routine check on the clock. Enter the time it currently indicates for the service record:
1:13
